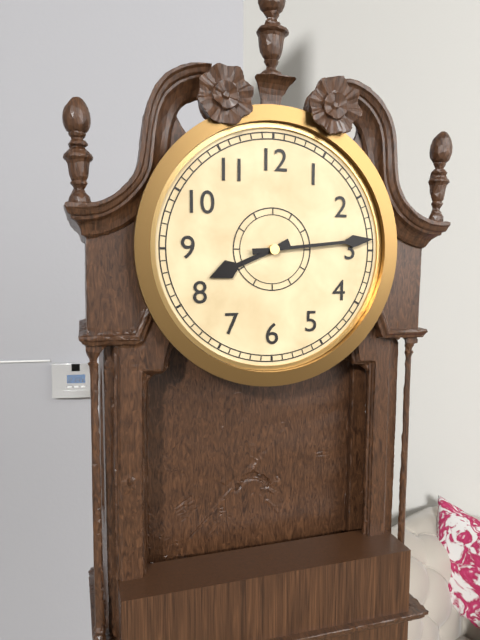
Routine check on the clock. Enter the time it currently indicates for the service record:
8:14
